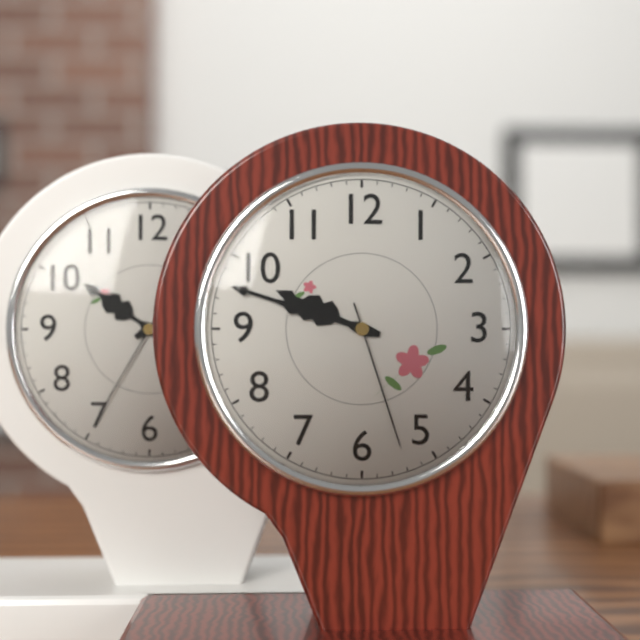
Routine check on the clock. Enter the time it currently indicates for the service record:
9:48:27
